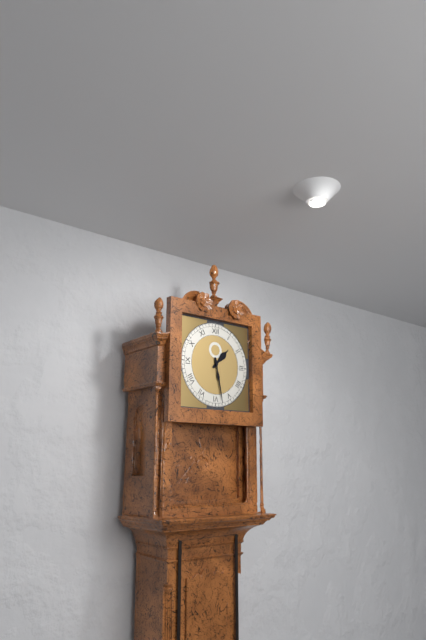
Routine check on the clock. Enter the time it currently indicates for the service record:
1:28
